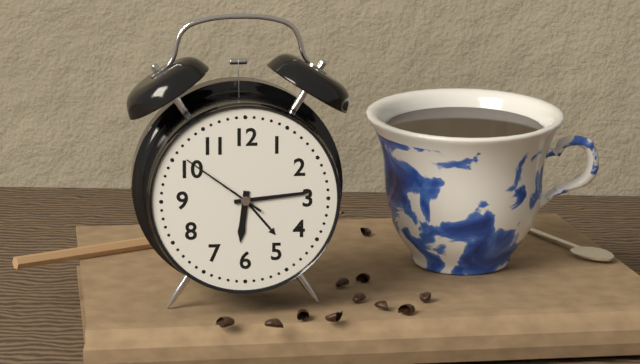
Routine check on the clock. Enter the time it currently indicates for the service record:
6:14:51
